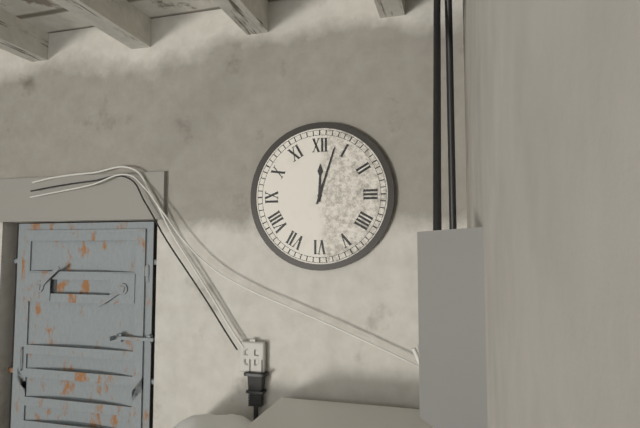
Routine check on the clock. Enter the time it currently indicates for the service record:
12:03
